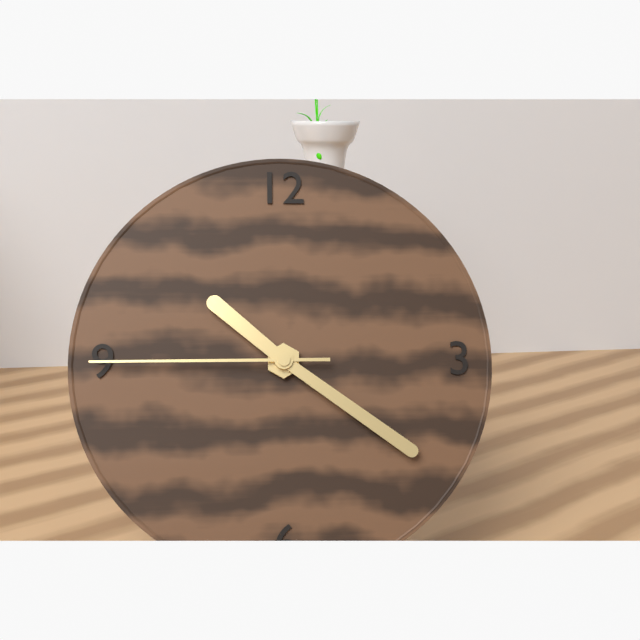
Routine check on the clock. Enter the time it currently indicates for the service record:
10:21:45
